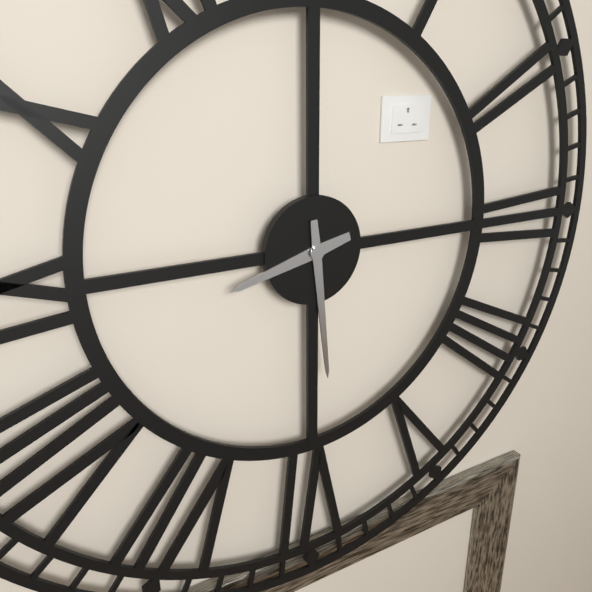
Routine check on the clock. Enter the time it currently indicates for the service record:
8:29
